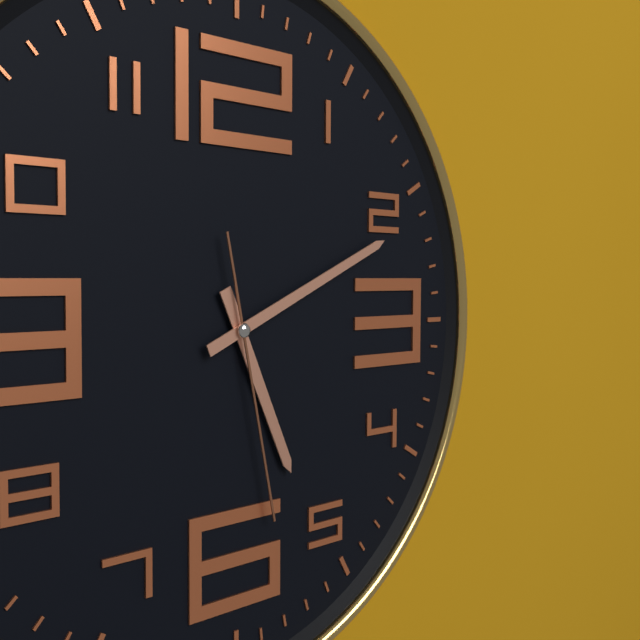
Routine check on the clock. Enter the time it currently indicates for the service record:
5:11:28
